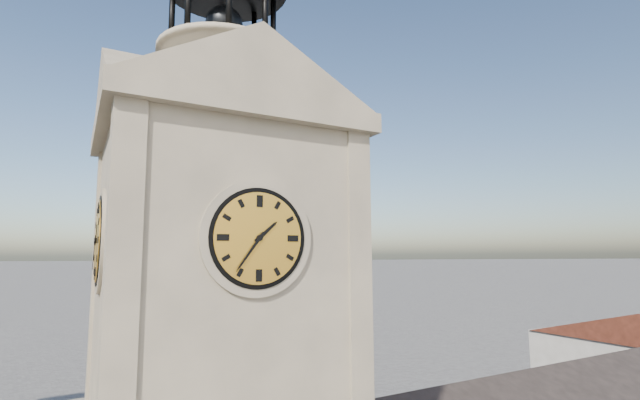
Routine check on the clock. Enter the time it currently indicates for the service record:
1:36
